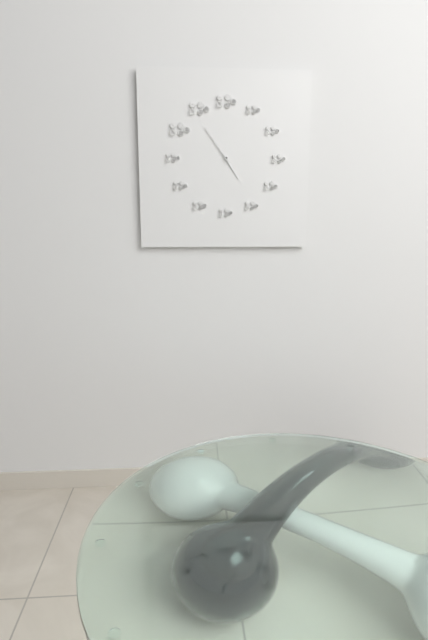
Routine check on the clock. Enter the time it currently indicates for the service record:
4:54
